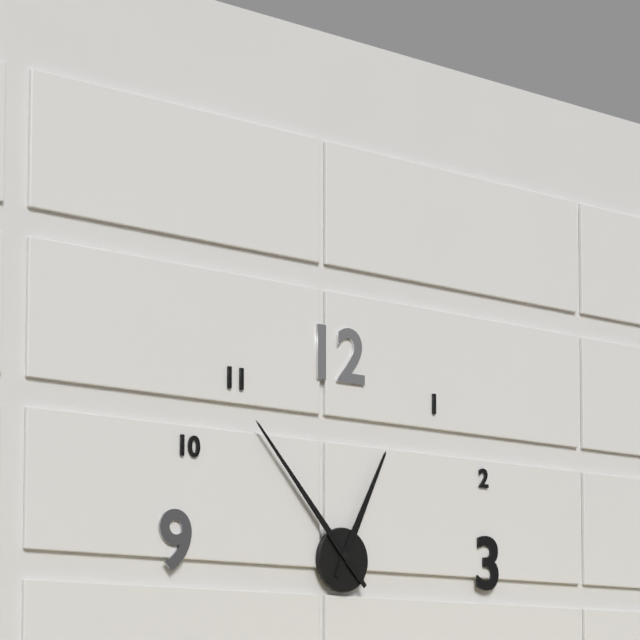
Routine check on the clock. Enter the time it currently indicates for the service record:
12:53
